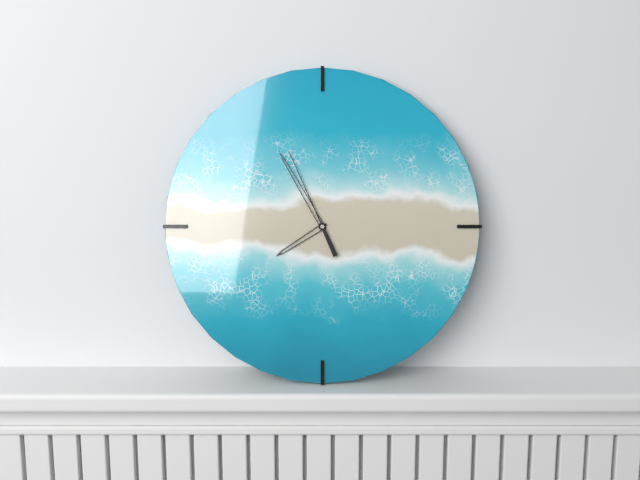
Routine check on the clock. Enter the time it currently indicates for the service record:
7:55:56
